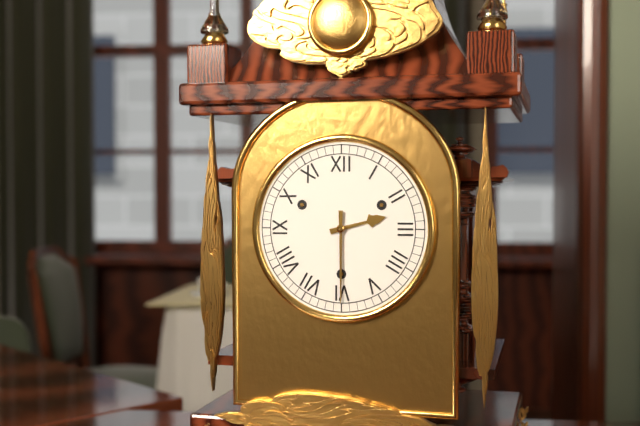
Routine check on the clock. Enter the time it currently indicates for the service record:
2:30
